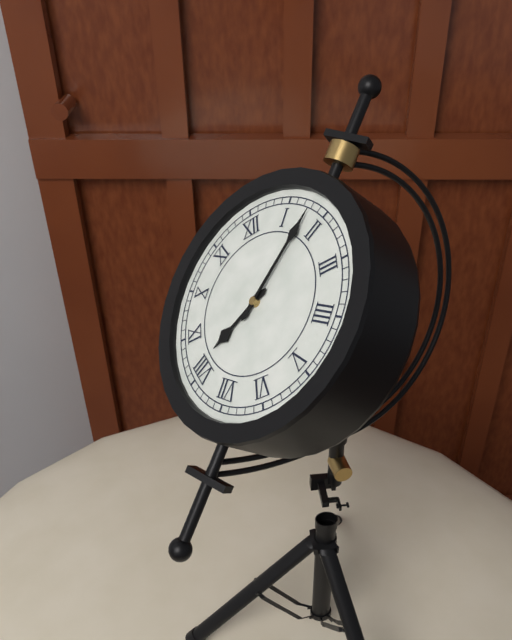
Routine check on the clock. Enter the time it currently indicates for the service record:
8:08
